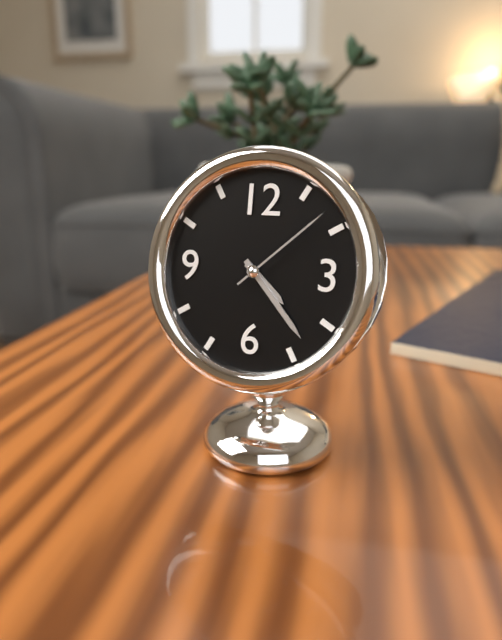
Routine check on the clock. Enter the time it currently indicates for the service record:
4:23:08
